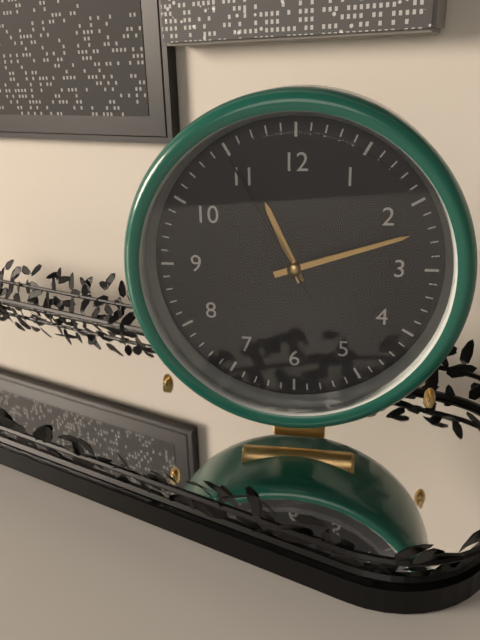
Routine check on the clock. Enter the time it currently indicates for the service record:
11:12:55
